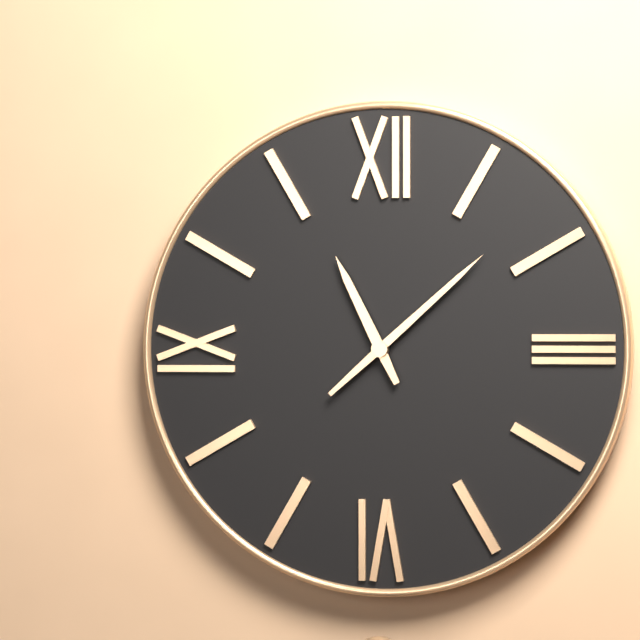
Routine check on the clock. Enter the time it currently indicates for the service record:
11:08
